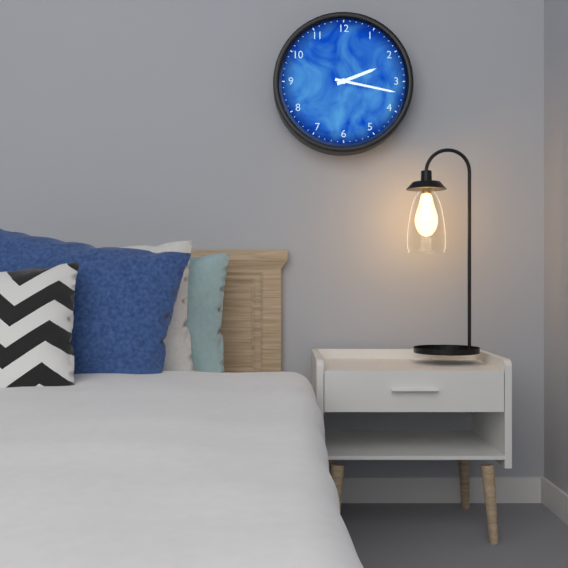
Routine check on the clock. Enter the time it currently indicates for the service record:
2:17
